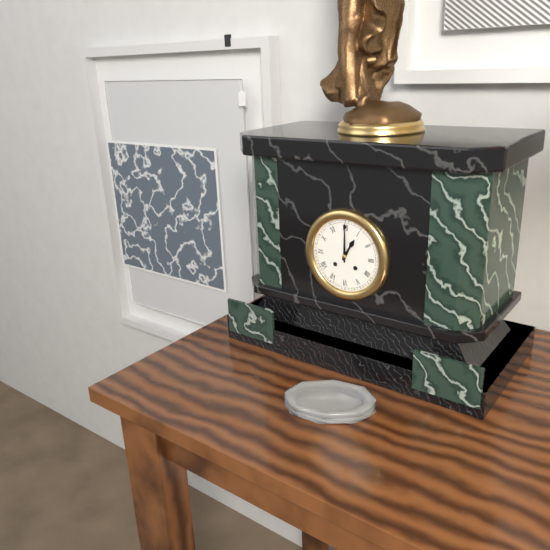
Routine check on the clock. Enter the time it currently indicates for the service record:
1:00
